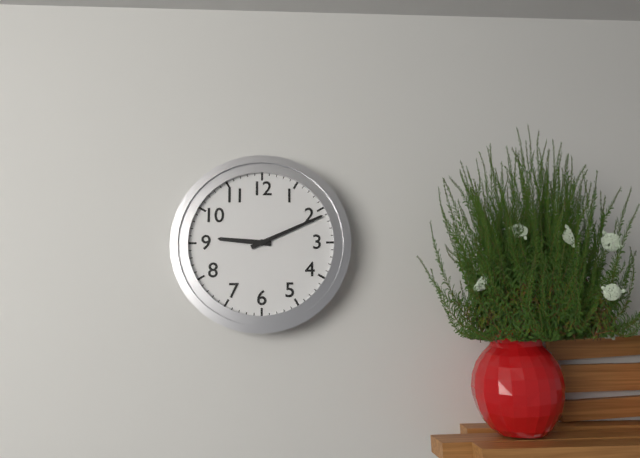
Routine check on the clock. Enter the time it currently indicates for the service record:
9:11
